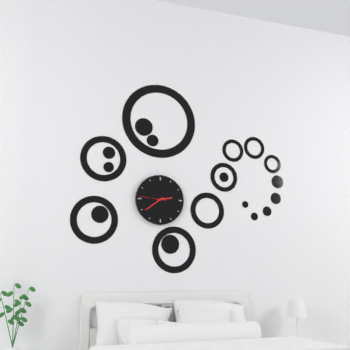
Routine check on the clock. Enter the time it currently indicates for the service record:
2:39
